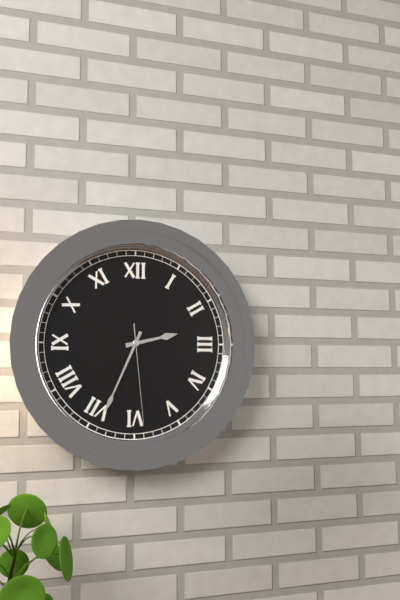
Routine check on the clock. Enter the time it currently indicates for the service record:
2:34:29
